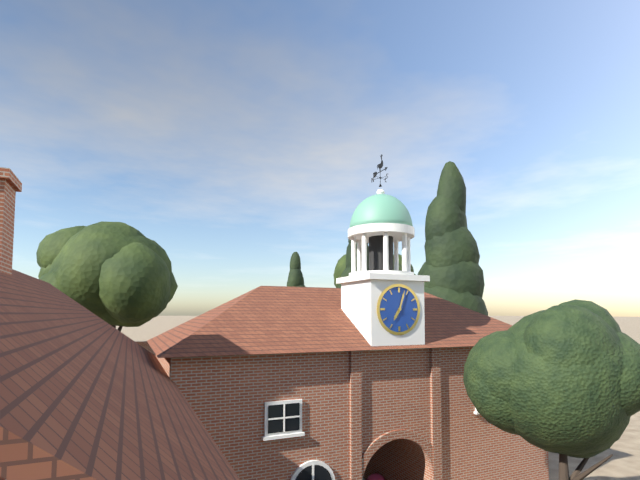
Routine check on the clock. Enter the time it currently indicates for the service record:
7:03
